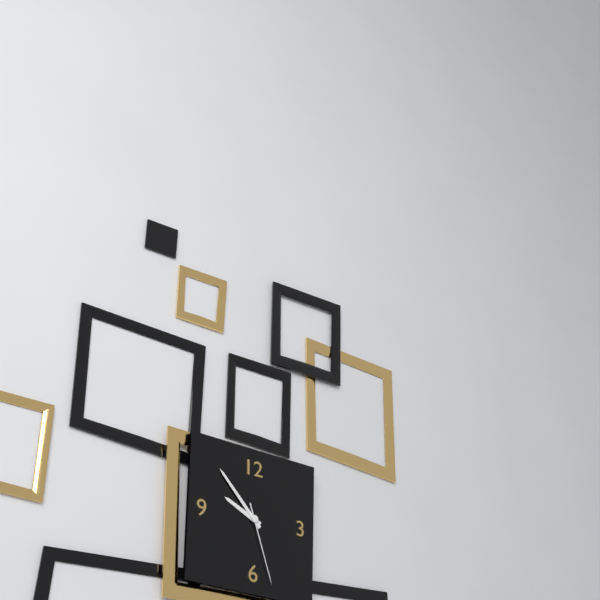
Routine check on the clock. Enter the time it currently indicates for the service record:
9:53:27
